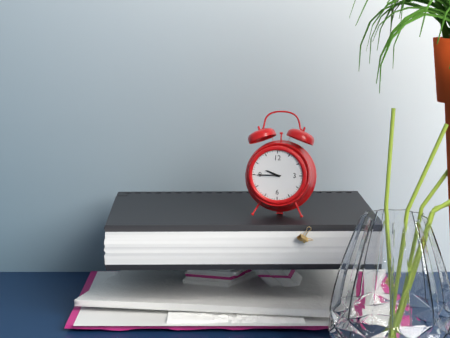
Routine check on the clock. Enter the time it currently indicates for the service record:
9:45
